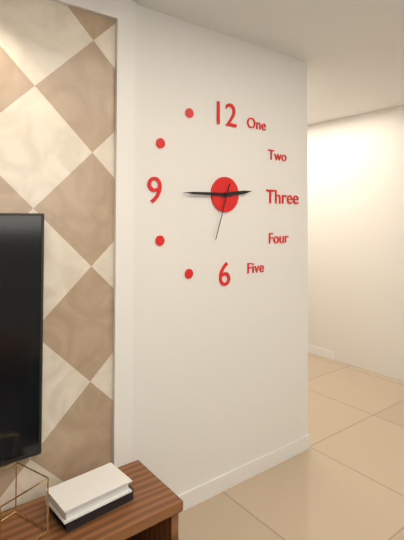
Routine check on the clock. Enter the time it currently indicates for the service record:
2:45:33
